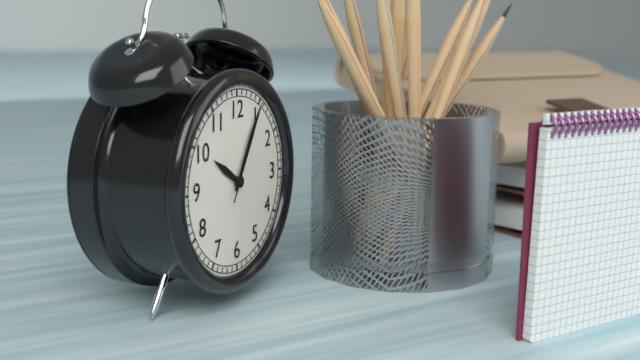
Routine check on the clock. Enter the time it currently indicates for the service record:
10:05:05
